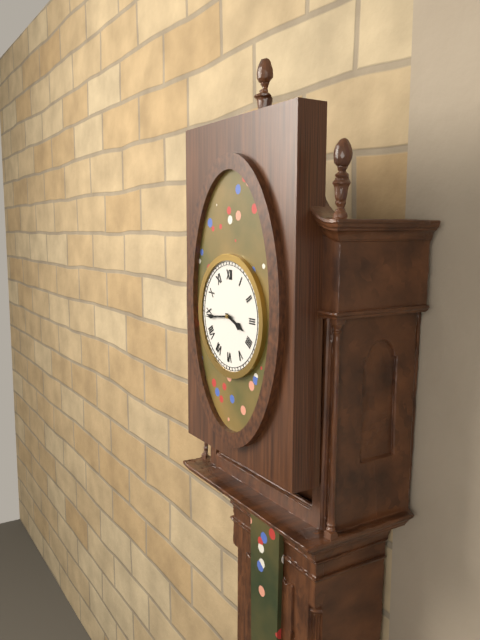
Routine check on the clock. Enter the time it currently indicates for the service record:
3:44
